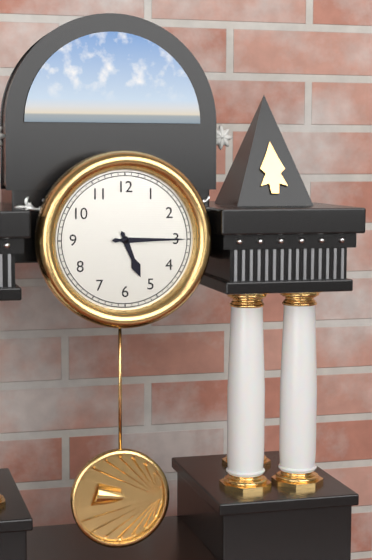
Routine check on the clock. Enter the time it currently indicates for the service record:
5:15
